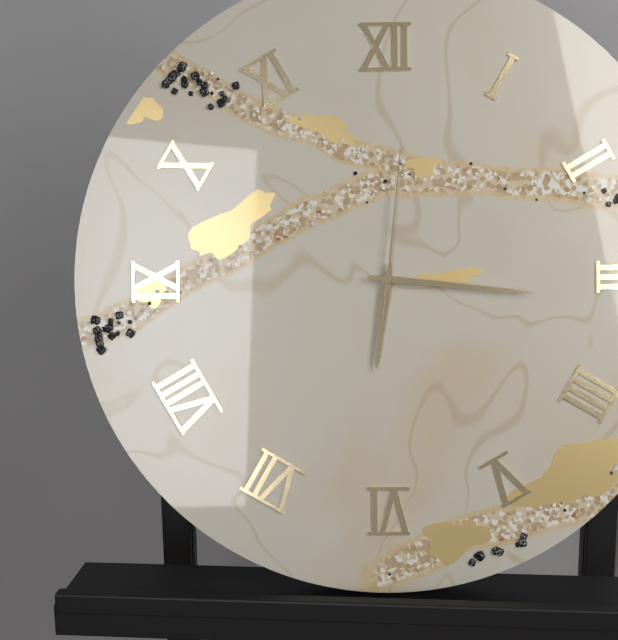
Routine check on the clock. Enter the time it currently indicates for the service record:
6:16:01
